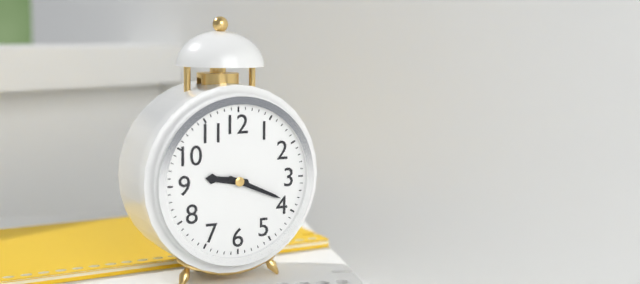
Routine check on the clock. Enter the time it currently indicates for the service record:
9:19
